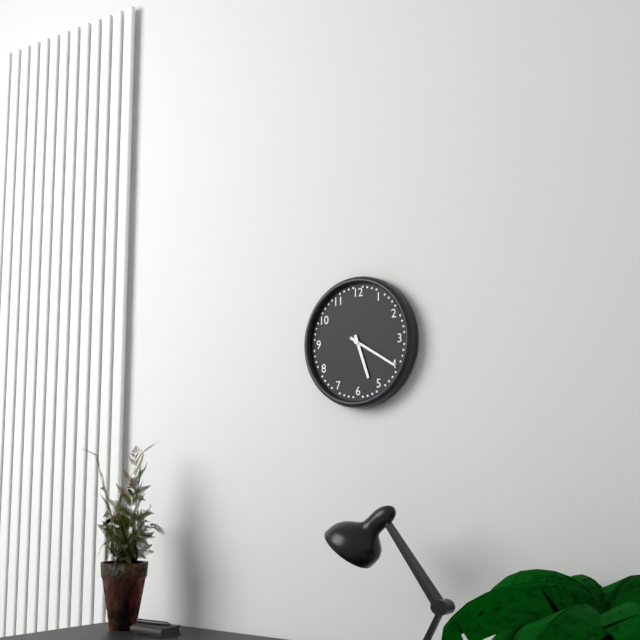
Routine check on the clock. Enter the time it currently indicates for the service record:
5:20
